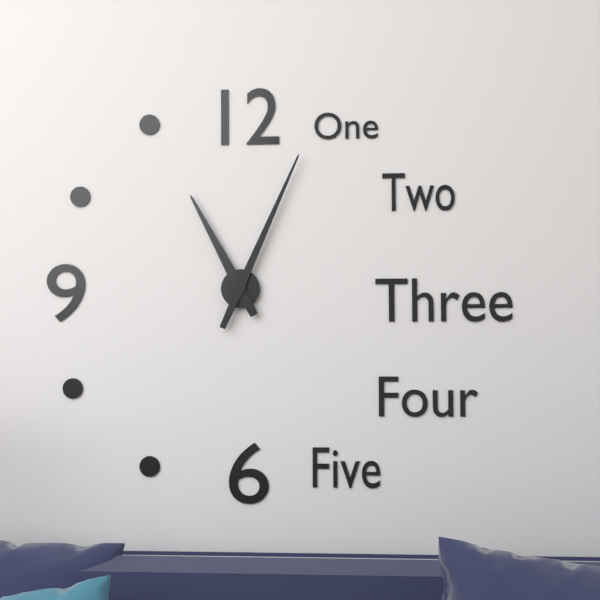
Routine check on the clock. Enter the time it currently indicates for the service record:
11:04
